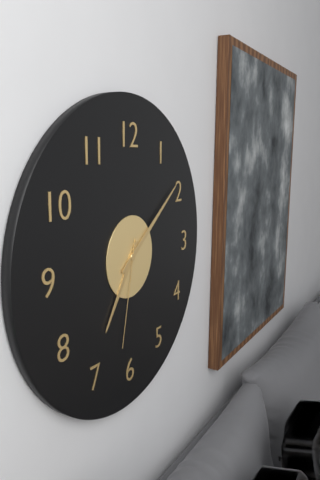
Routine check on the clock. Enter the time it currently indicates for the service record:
7:09:32
